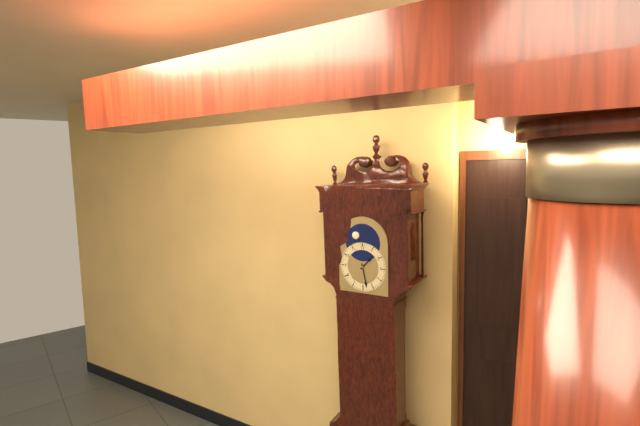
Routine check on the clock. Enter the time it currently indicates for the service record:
1:28
